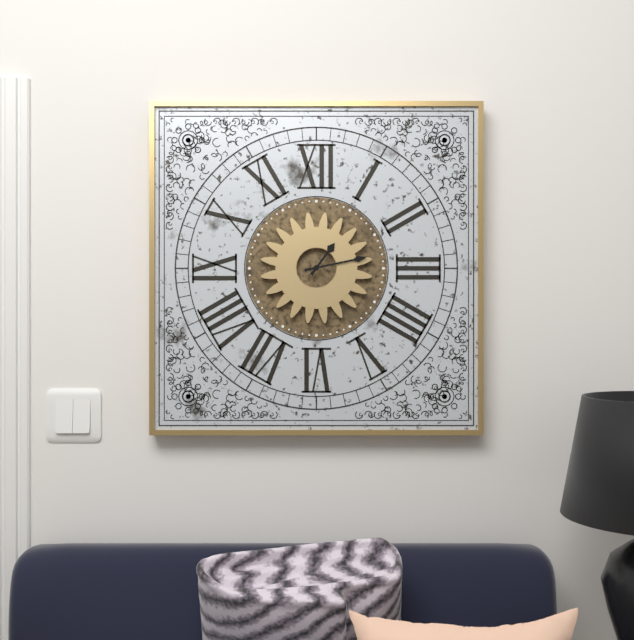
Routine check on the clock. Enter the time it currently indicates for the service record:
1:13
